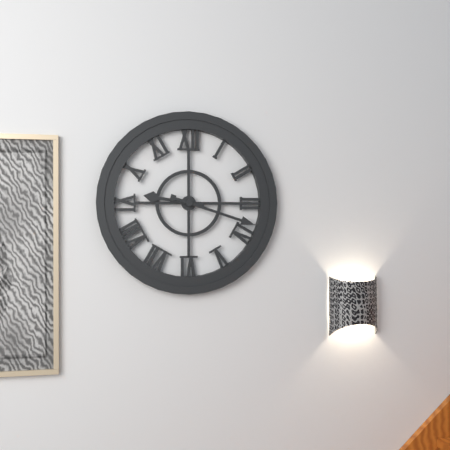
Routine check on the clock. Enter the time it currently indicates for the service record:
9:18
